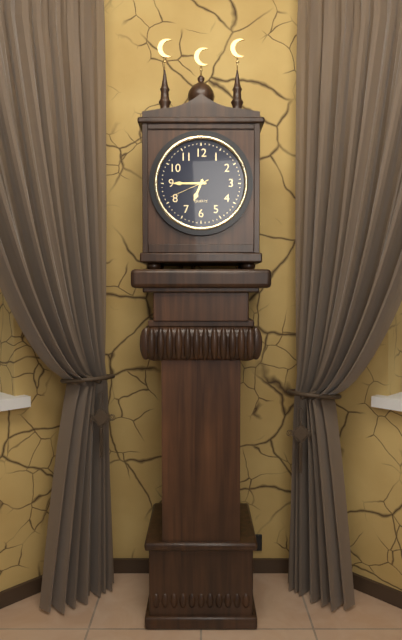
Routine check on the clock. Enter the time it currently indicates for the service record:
6:45
